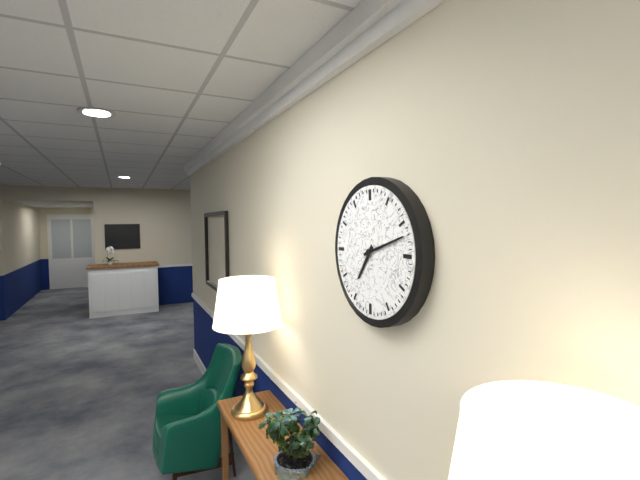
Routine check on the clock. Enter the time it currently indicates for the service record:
7:12
